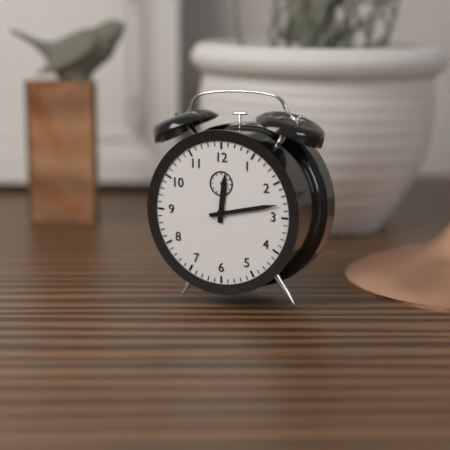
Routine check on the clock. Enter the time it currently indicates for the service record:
12:13
